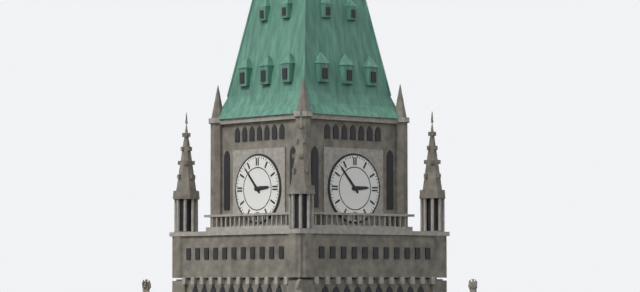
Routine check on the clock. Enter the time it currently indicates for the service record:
2:53
